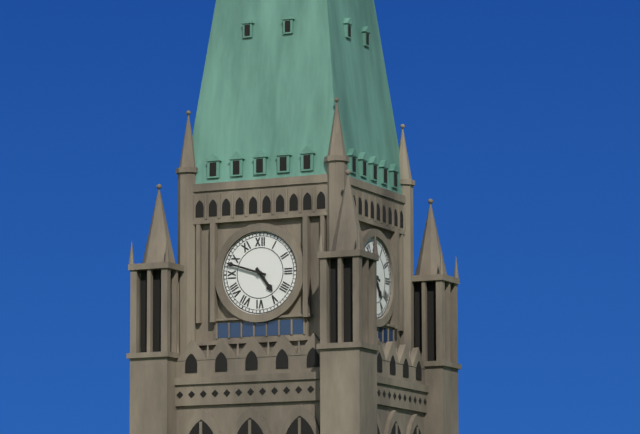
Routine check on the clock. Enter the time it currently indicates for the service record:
4:48
